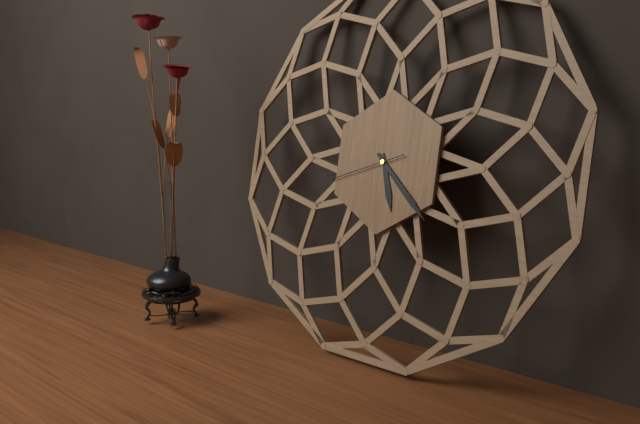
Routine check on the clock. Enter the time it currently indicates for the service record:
5:22:42
